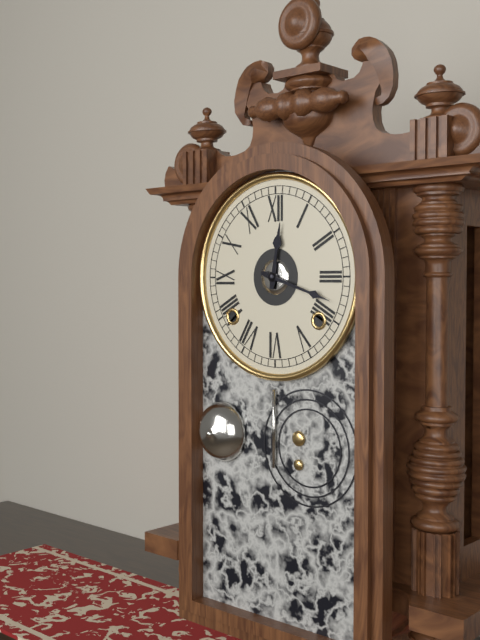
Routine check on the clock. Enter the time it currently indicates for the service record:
12:18
